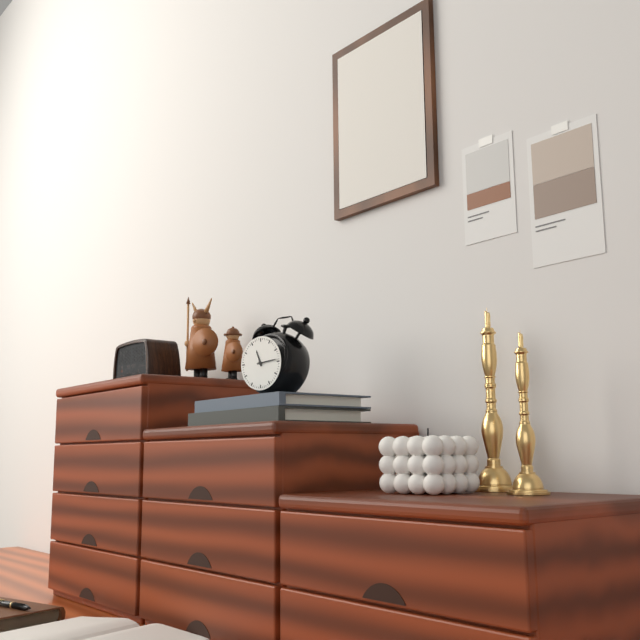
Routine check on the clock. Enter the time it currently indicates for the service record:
11:14
